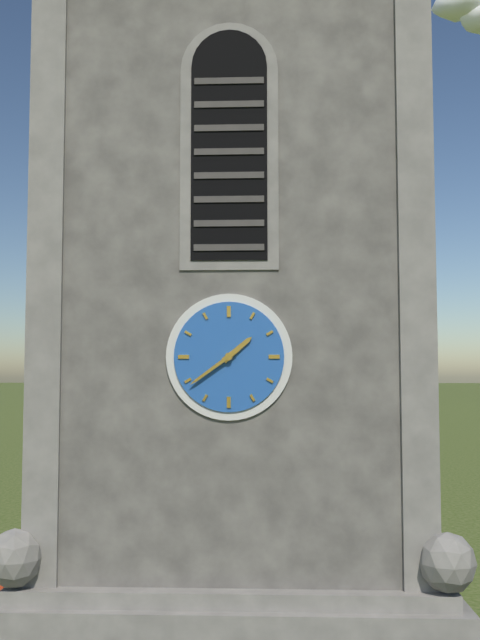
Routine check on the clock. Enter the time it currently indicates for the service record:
1:39
